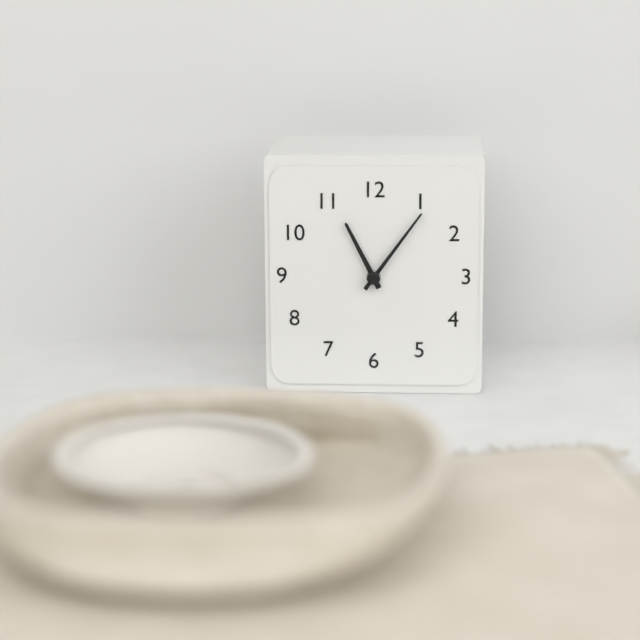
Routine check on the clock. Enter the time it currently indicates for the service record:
11:06
